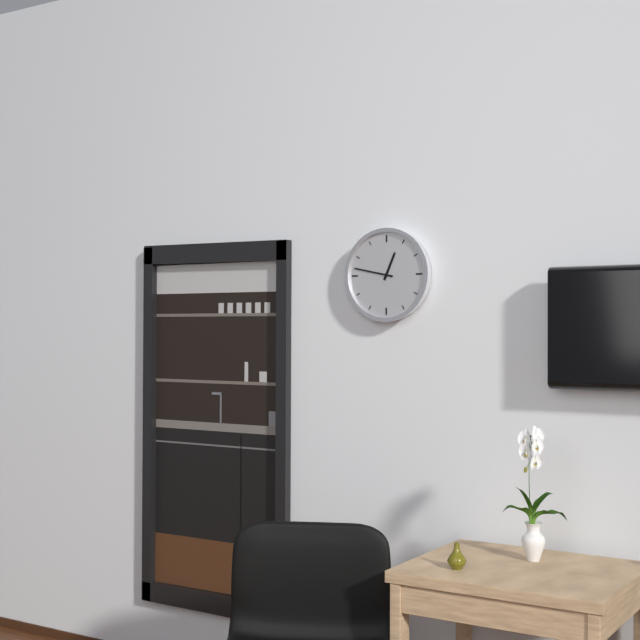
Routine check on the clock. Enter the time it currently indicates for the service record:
12:47
